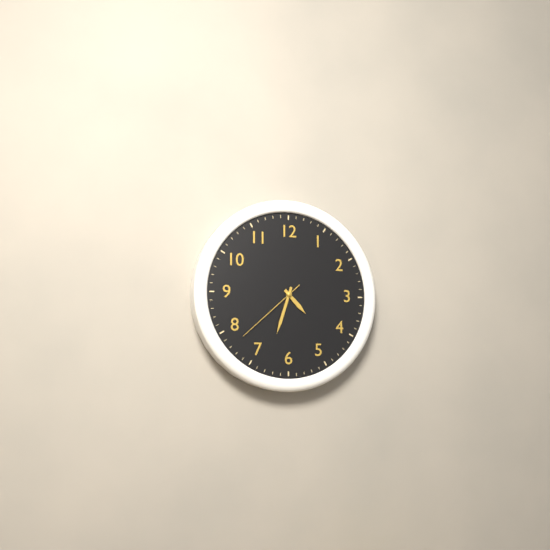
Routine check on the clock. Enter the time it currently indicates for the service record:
4:33:38
